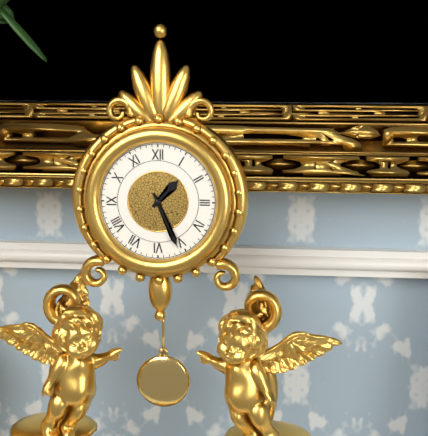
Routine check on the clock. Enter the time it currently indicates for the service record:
1:26
